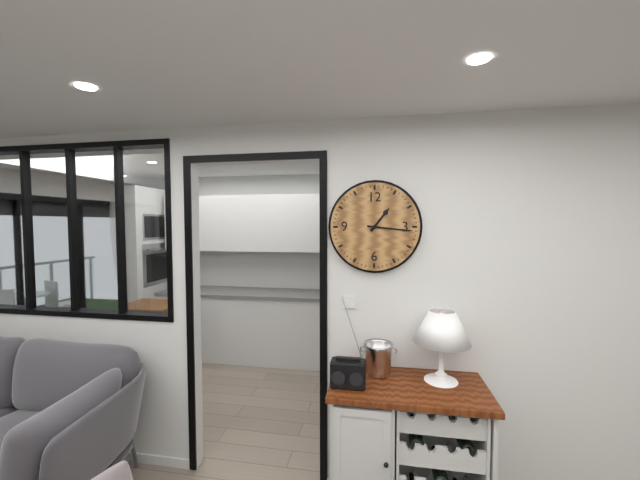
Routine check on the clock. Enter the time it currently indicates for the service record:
1:16
